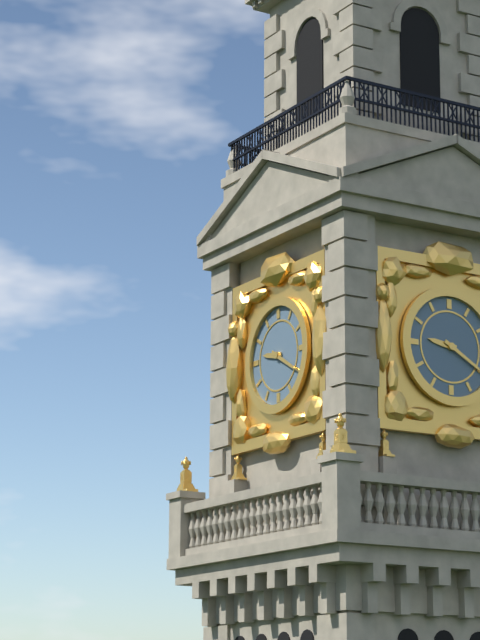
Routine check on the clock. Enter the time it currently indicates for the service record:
9:20
